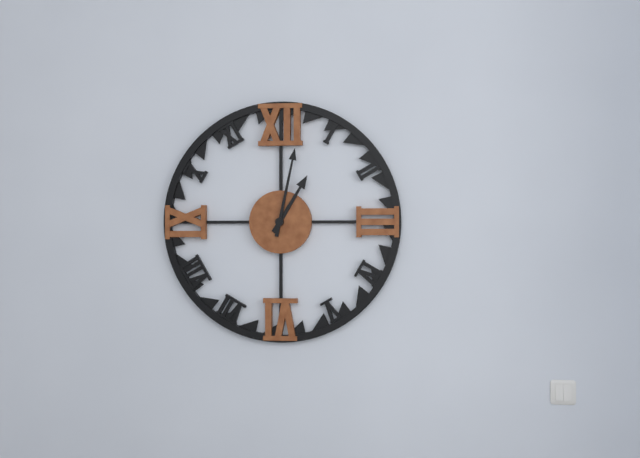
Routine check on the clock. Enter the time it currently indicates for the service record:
1:02
